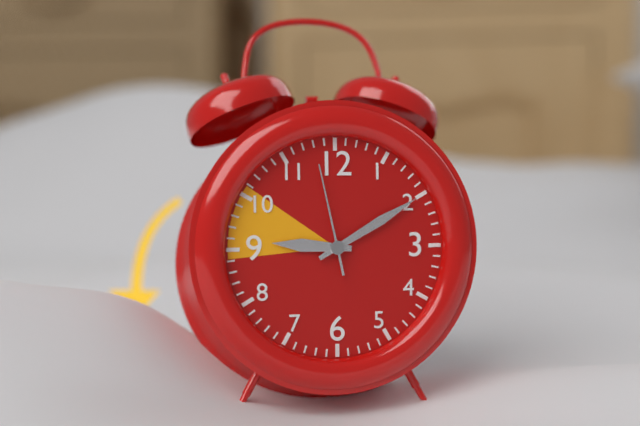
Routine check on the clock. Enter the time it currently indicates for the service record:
9:10:58
